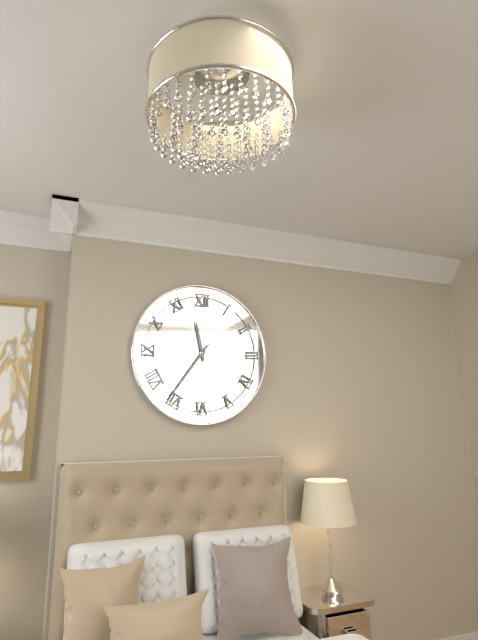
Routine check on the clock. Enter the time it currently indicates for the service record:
11:36
